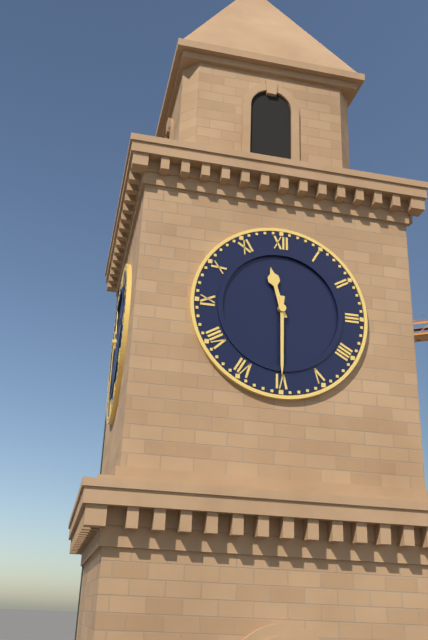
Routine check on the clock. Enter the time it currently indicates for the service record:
11:30
